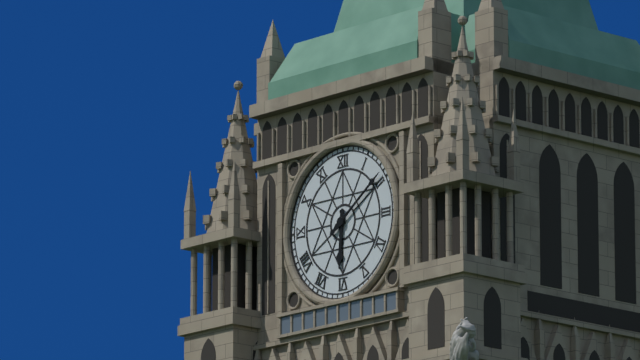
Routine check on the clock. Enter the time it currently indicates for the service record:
6:09
